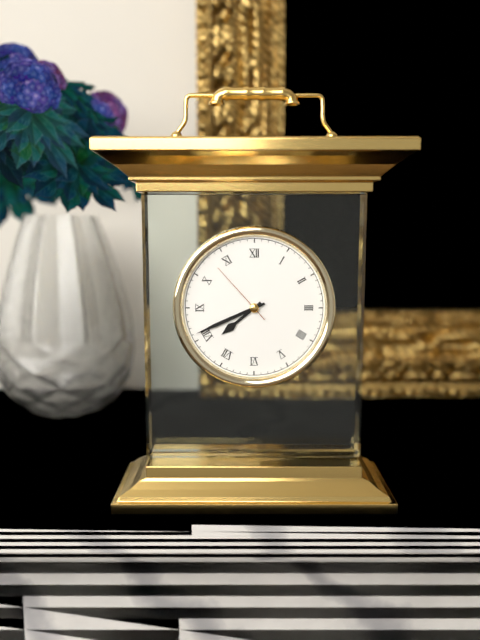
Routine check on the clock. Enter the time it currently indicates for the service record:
7:41:53
